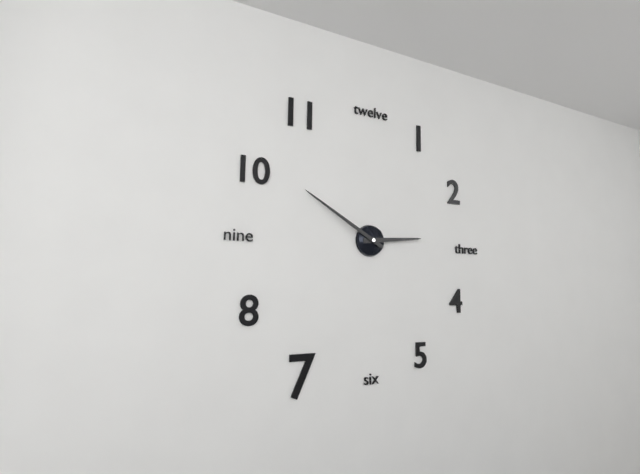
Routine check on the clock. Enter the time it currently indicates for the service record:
2:50
